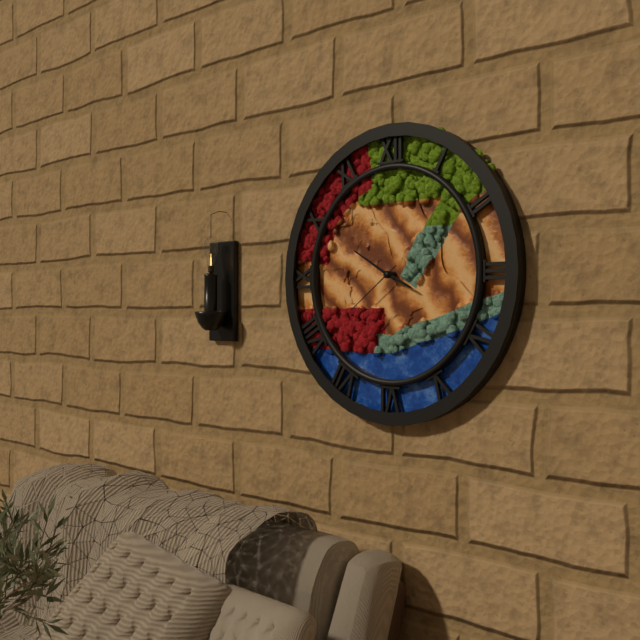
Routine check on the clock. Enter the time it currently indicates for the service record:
3:50:39
